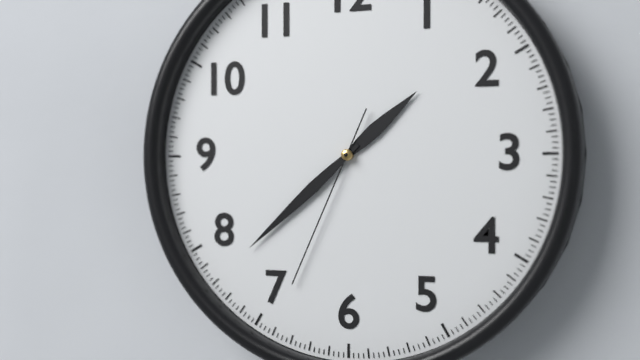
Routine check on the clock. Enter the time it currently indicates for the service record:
1:38:34
